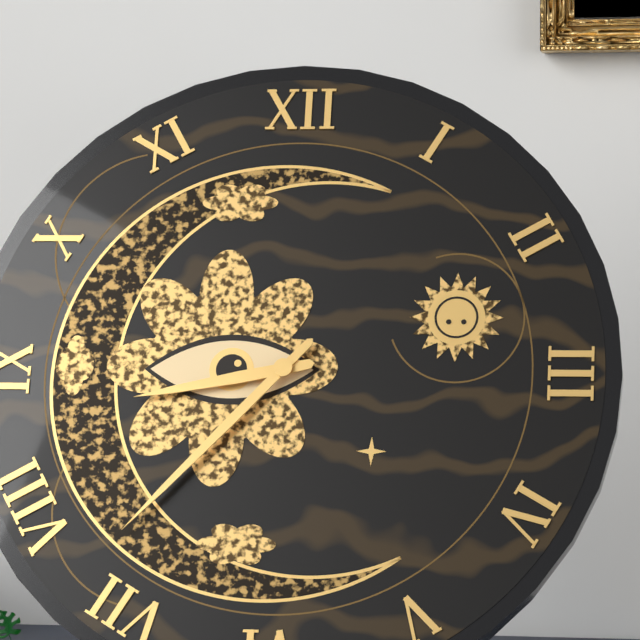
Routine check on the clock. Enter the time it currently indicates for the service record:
8:37
